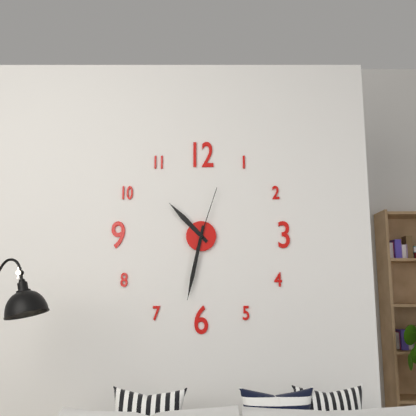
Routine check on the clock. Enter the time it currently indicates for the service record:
10:32:03
